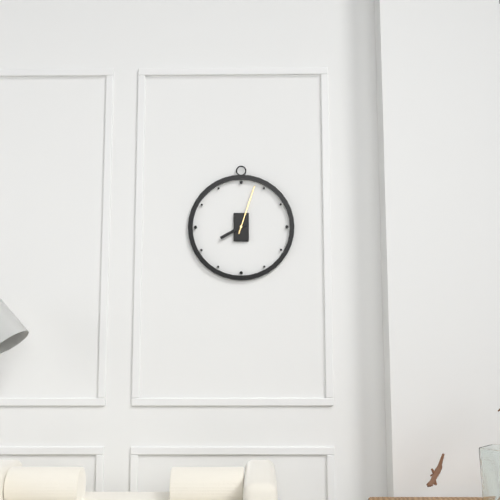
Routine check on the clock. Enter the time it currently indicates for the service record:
8:03
